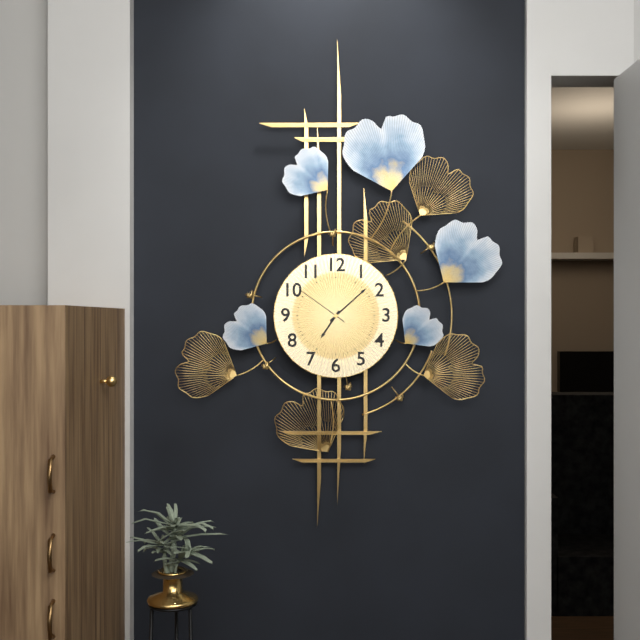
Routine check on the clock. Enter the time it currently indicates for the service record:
7:08:51
